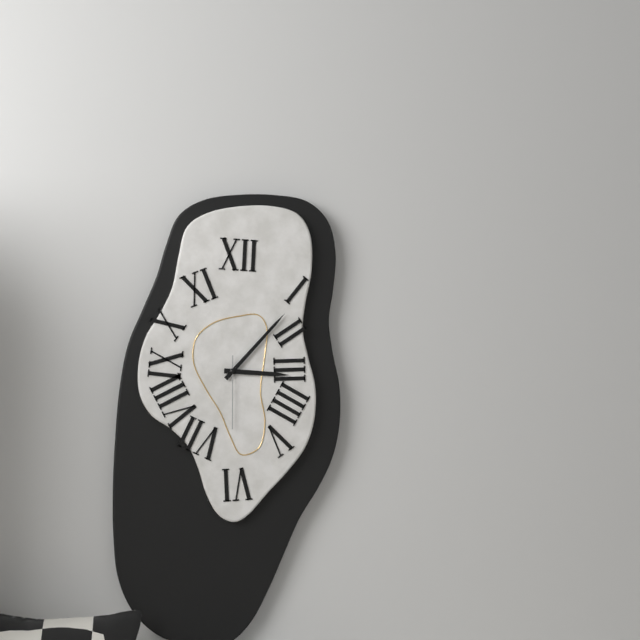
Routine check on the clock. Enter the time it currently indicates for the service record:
3:07:30
